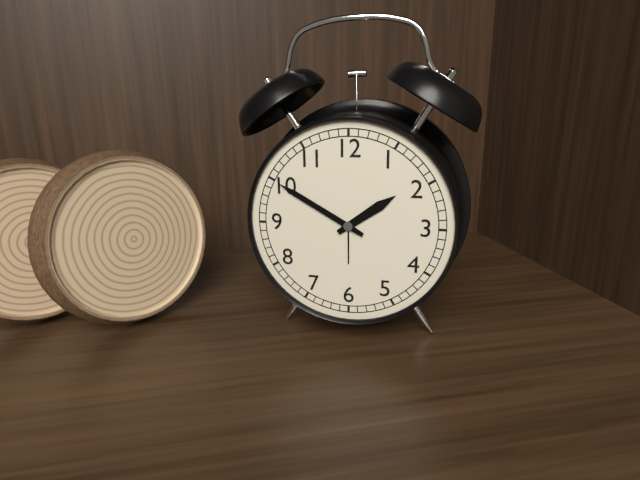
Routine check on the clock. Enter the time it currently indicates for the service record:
1:50
